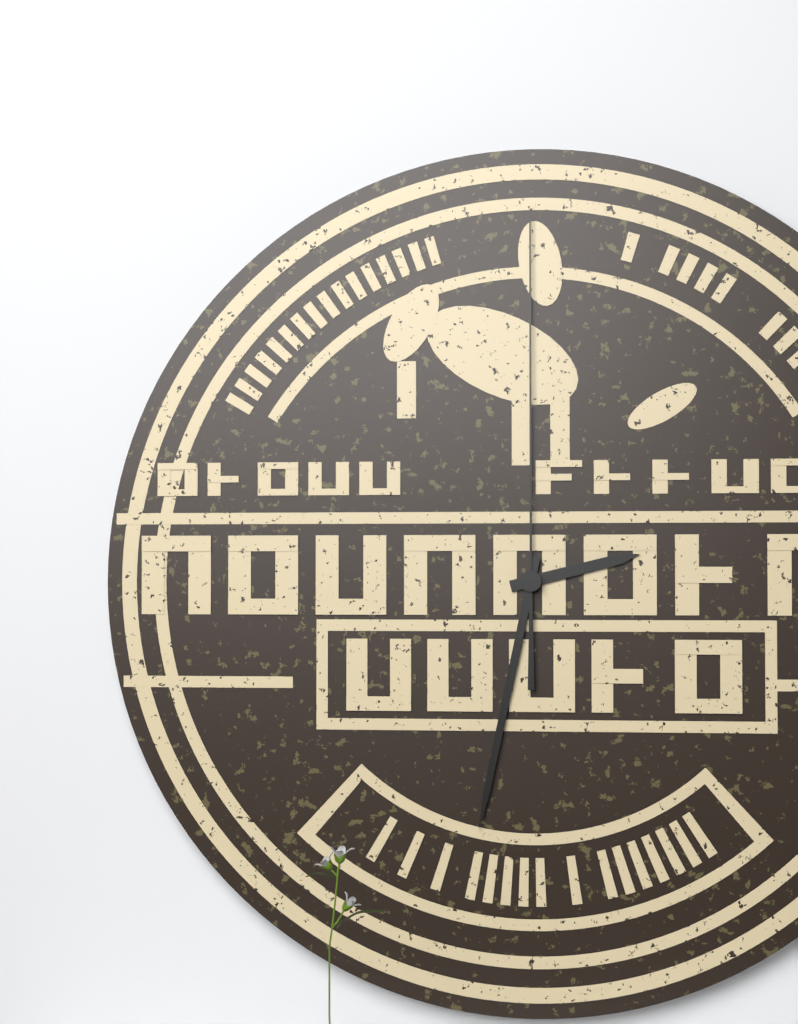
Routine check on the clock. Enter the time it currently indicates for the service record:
2:32:00
